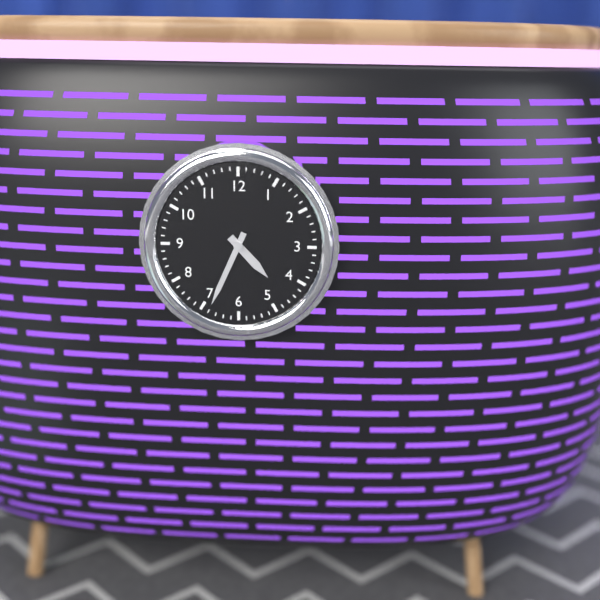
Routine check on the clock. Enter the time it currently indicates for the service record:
4:34
